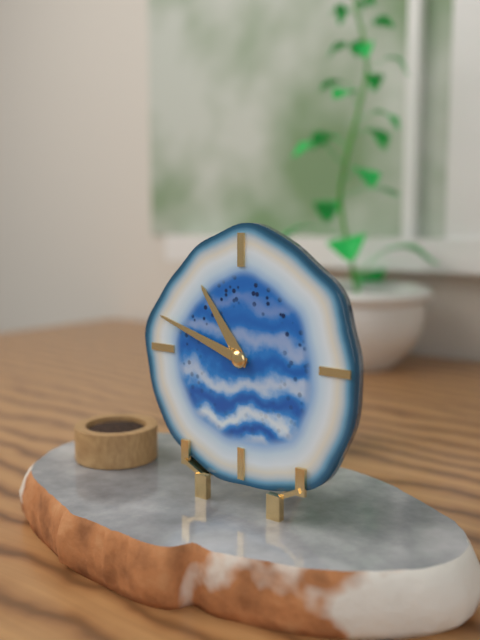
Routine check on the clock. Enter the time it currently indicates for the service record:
10:48
